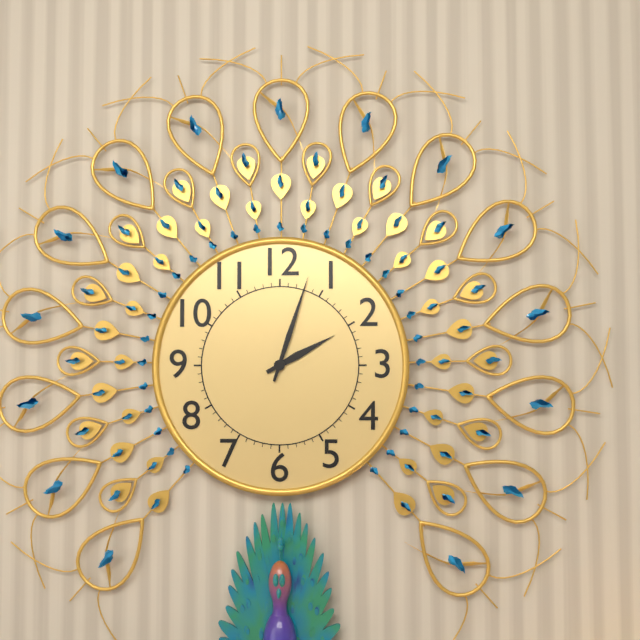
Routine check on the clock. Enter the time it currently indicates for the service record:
2:03
